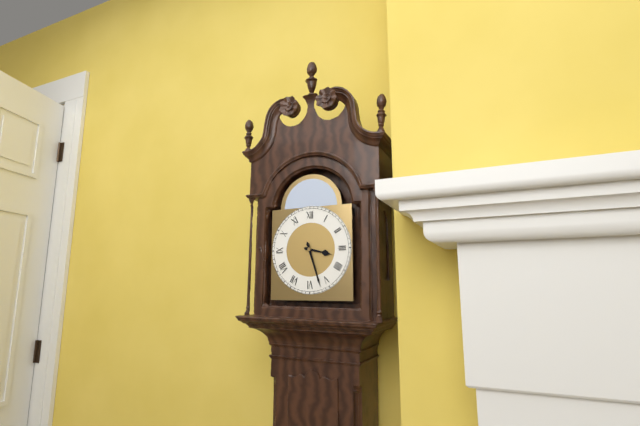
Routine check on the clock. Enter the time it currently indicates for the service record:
3:27
